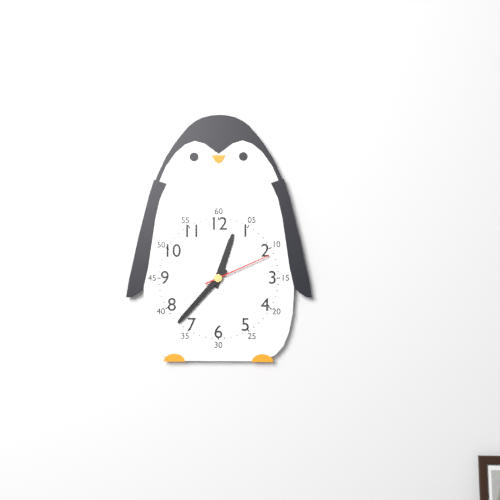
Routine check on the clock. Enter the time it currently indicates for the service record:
12:37:11
